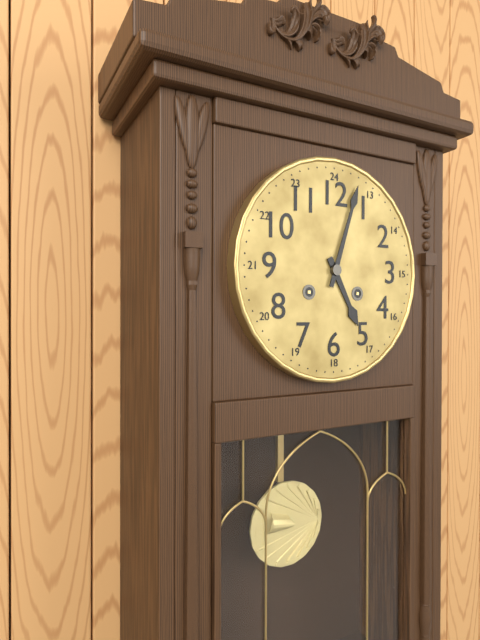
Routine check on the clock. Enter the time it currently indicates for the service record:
5:03
